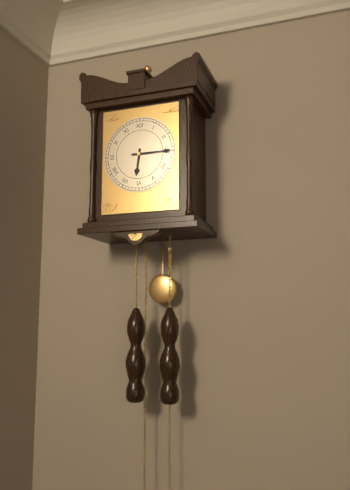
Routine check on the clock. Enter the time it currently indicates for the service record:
6:15
